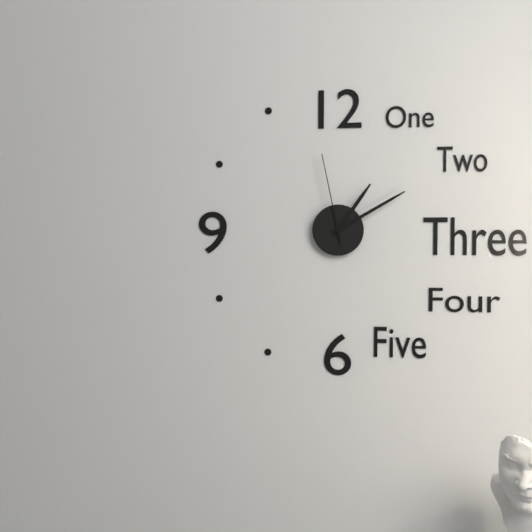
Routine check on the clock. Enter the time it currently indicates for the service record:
1:10:58
